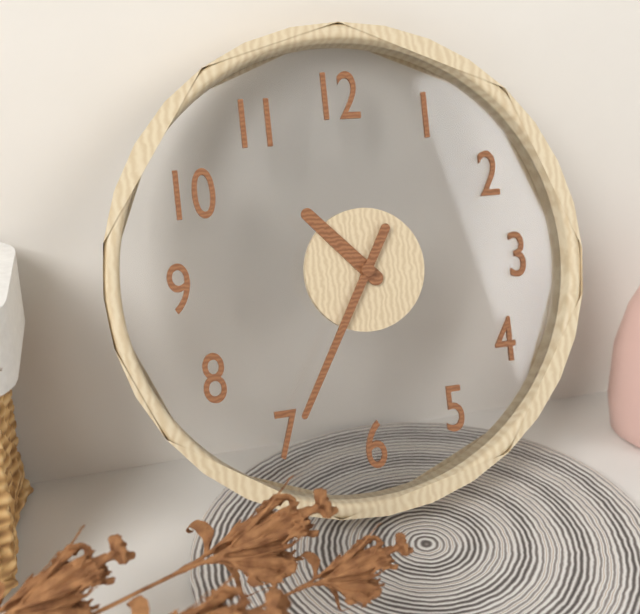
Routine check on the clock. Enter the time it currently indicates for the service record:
10:35
